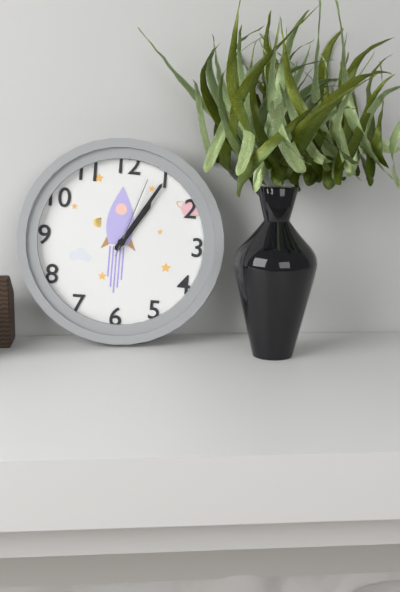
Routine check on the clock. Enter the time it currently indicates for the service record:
1:05:03
